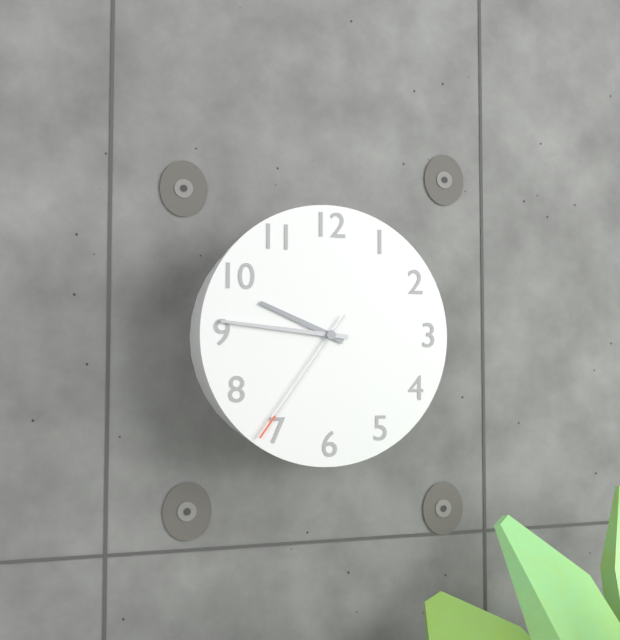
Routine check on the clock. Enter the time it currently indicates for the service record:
9:46:36
